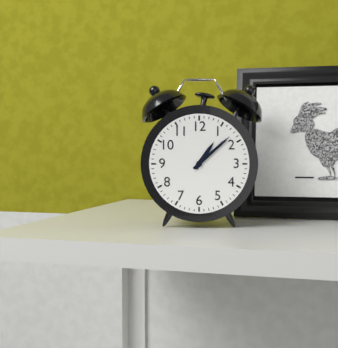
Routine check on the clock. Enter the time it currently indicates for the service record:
1:08
